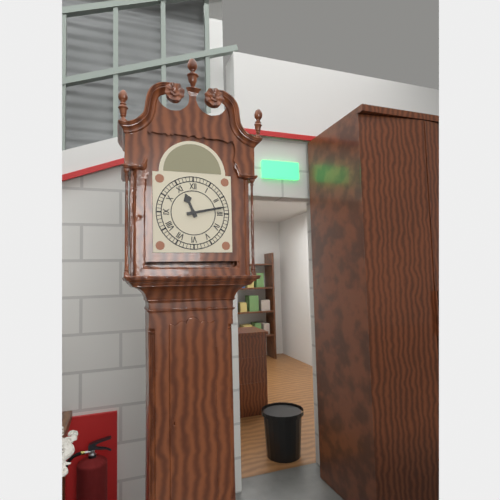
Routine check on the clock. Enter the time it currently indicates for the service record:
11:13
